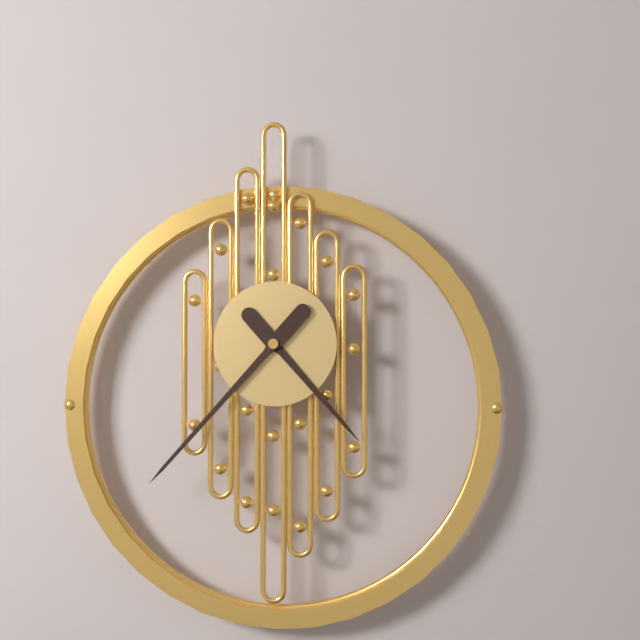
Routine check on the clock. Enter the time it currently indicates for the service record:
4:37
